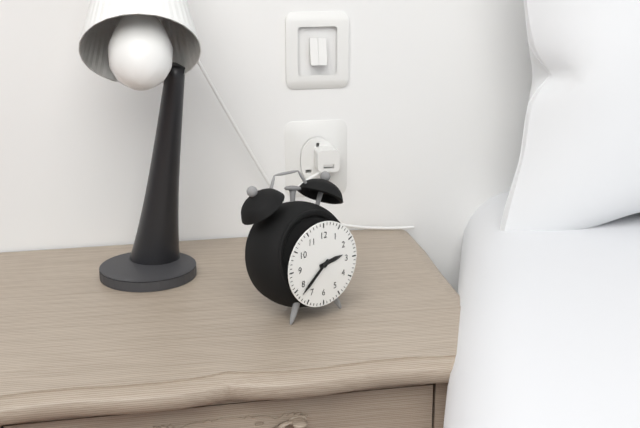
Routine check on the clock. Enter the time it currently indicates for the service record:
2:38
